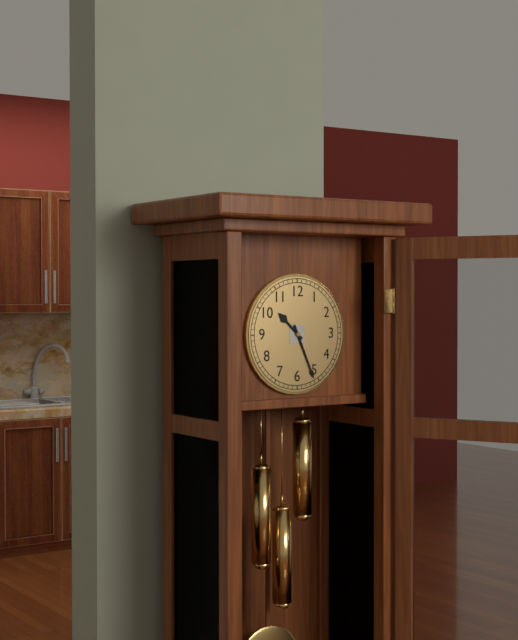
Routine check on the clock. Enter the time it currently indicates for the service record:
10:26
